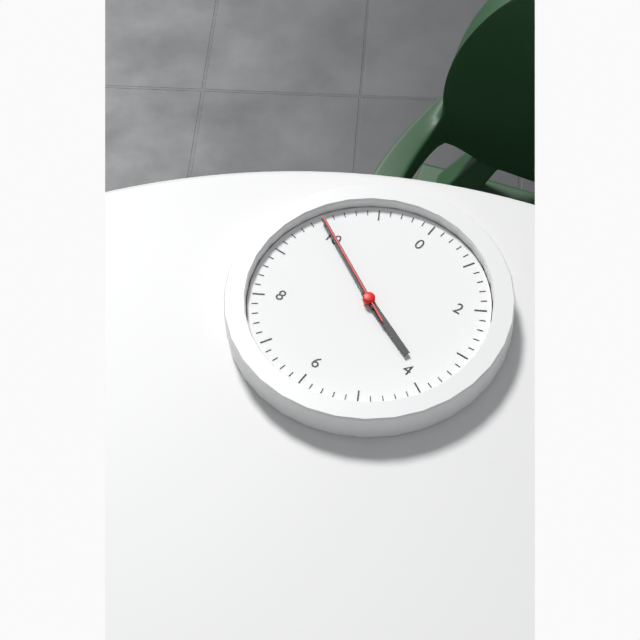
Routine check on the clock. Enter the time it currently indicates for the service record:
3:50:50
